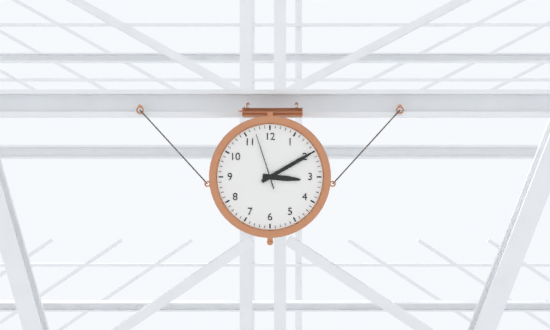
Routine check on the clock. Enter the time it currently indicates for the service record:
3:10:57
